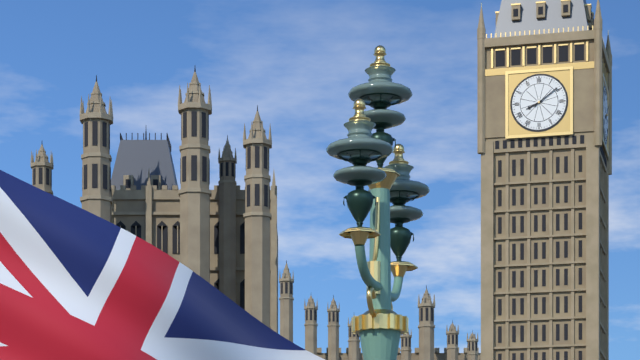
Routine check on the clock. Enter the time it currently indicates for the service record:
8:09
